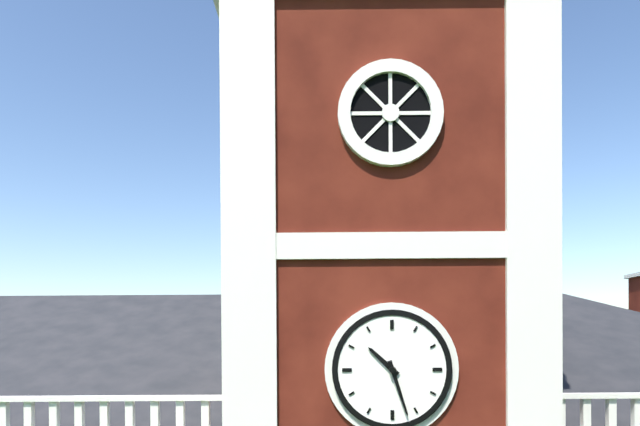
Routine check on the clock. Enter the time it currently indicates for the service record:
10:27
